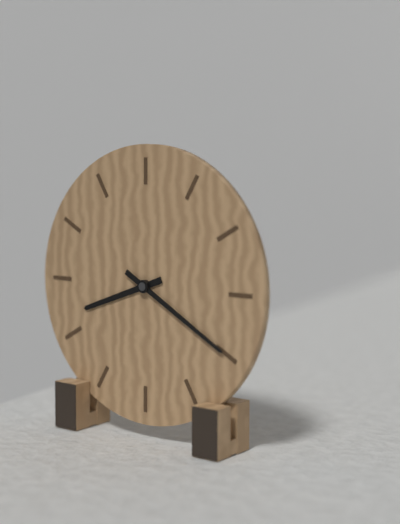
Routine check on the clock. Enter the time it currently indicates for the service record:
8:20
